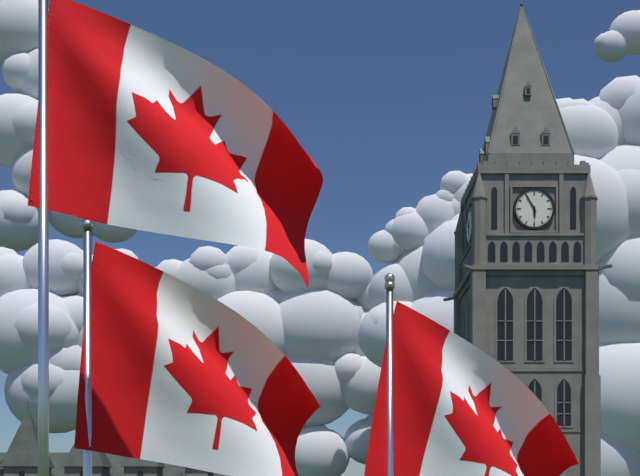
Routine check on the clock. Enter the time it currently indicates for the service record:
5:55
